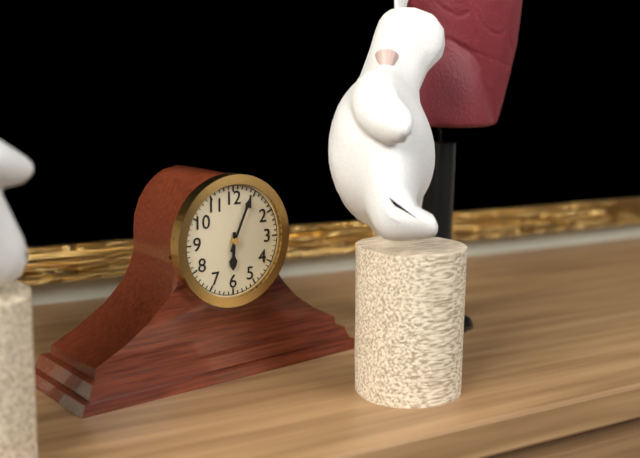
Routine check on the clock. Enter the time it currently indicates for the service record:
6:04
